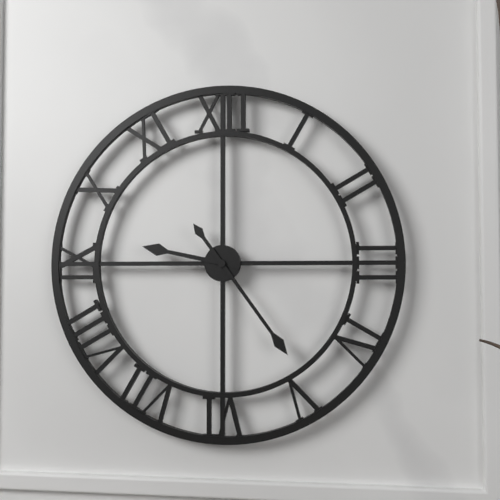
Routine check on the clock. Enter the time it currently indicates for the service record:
9:24
